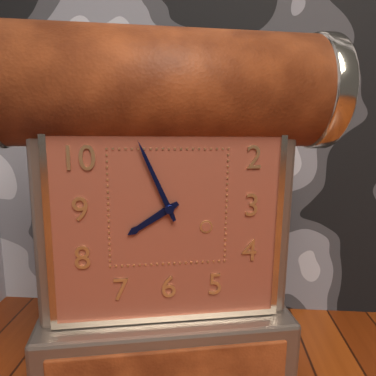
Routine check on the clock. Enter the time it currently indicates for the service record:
7:56
